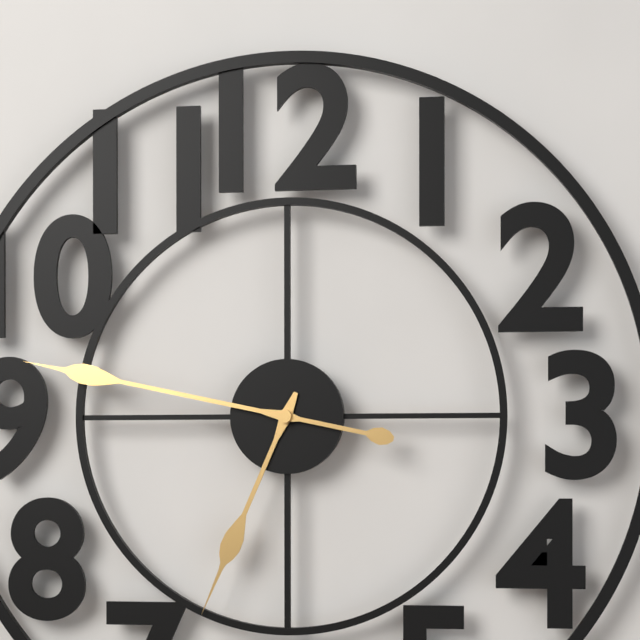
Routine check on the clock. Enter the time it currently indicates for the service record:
6:47
